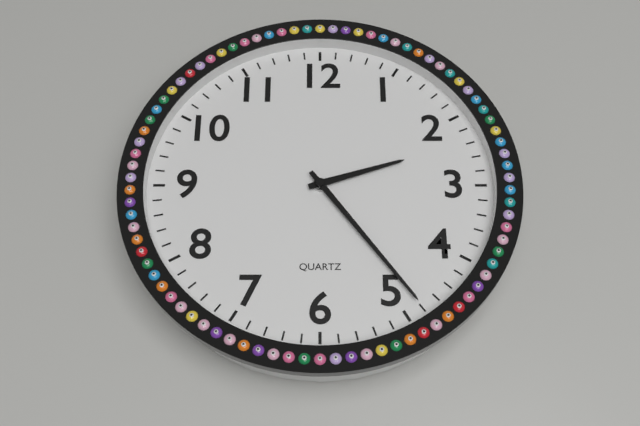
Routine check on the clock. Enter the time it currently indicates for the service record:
2:24
